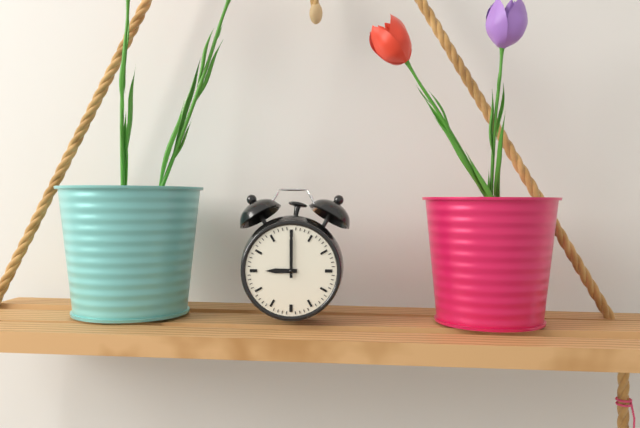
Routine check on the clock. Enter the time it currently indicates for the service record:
9:00
